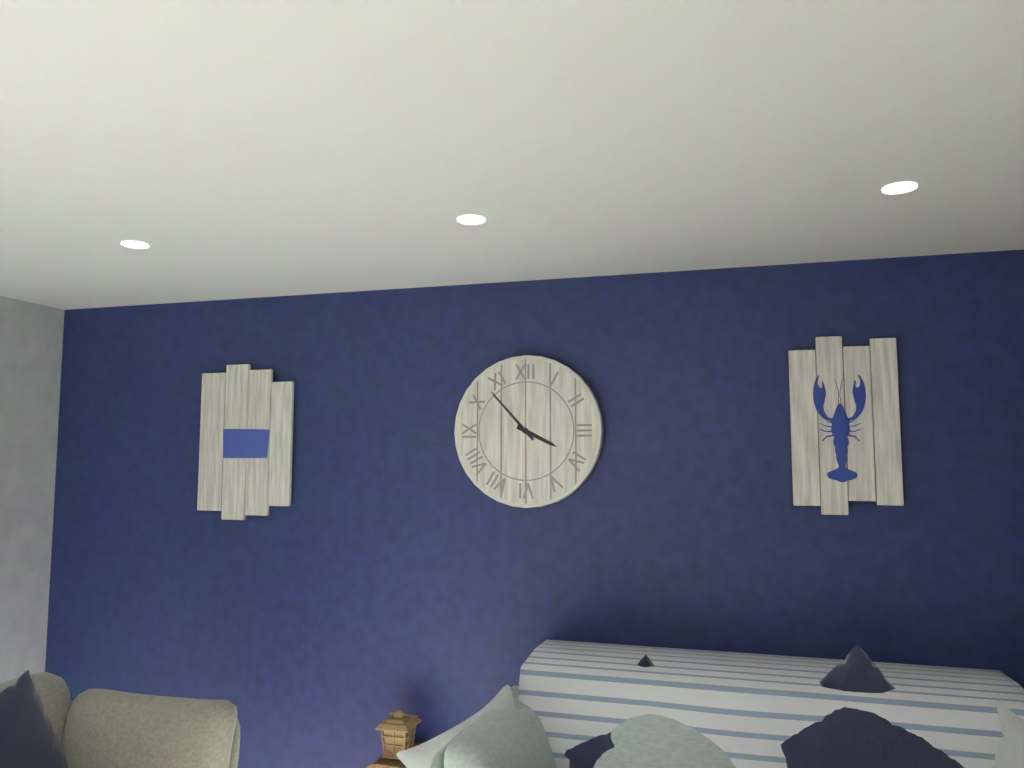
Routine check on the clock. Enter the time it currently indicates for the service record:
3:53
